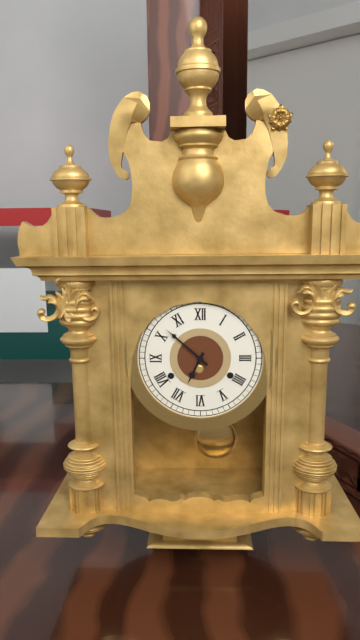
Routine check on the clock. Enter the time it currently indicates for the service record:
6:52
